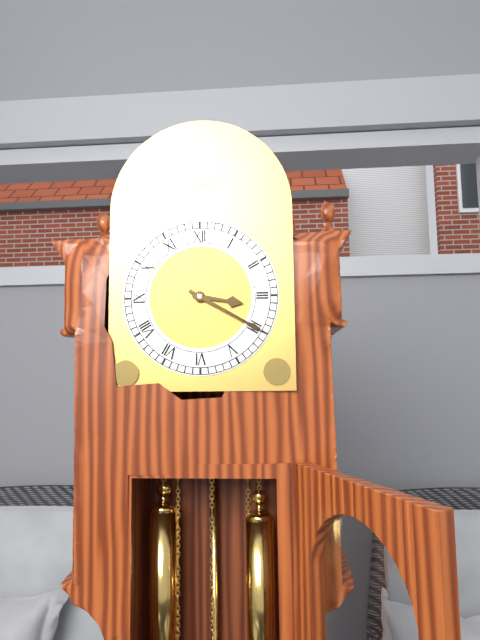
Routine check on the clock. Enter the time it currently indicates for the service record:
3:20
